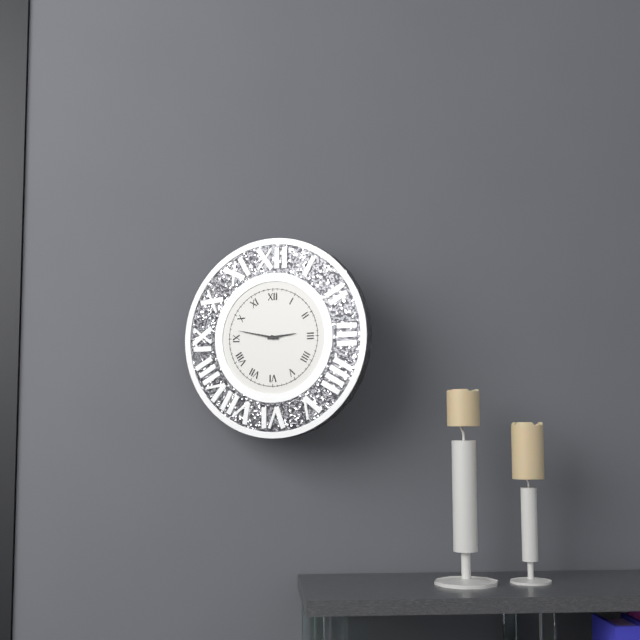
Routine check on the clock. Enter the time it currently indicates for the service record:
2:47
